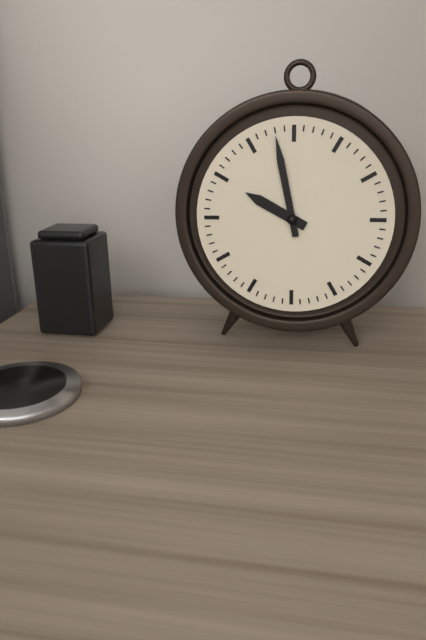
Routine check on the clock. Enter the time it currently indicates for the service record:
9:58
